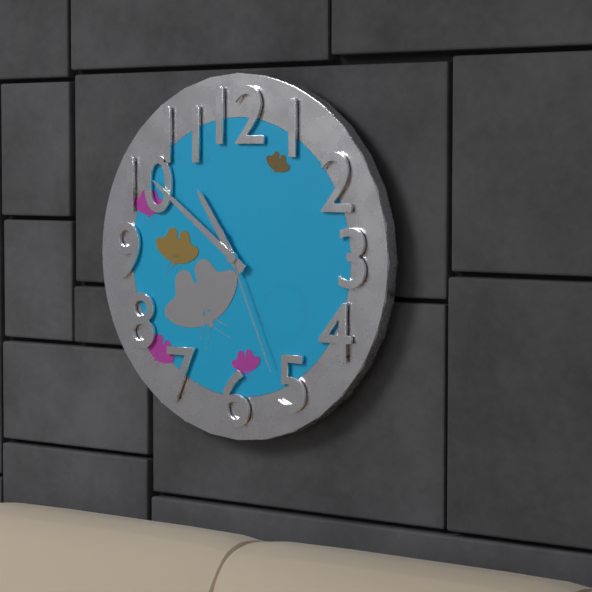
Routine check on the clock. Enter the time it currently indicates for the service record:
10:51:26
